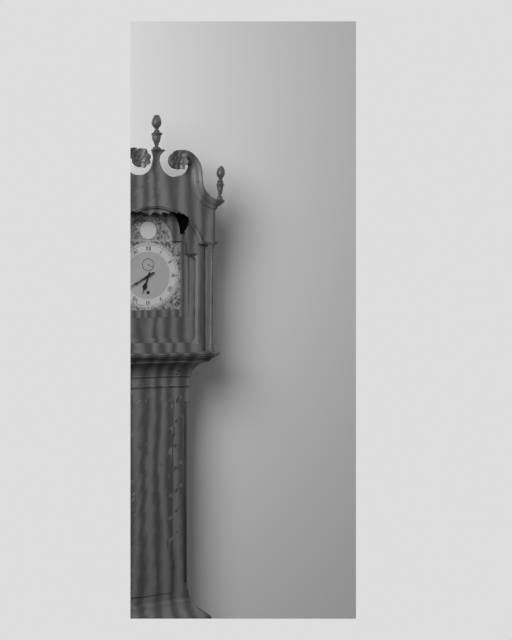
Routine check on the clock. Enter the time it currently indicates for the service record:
6:40
